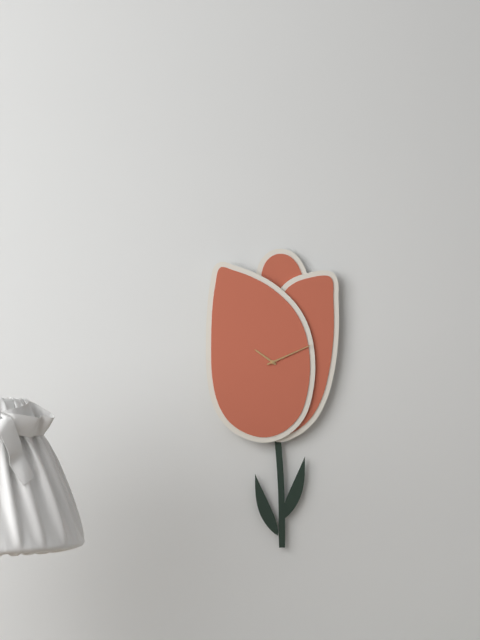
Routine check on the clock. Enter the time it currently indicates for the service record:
10:11
